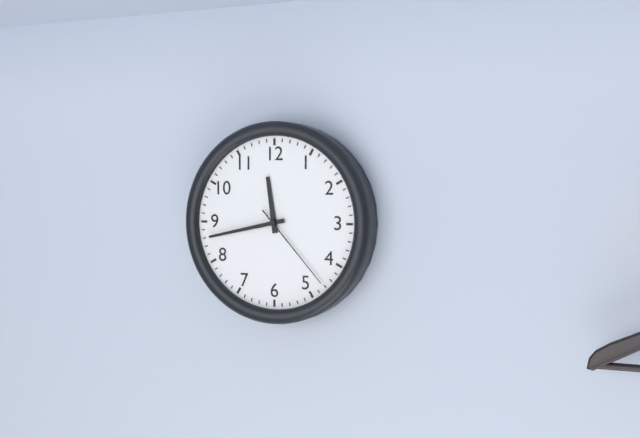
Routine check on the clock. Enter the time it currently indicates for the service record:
11:43:23
